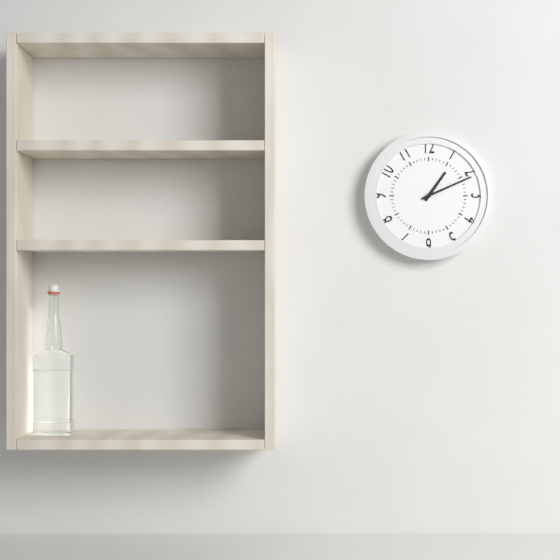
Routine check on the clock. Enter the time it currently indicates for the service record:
1:11
